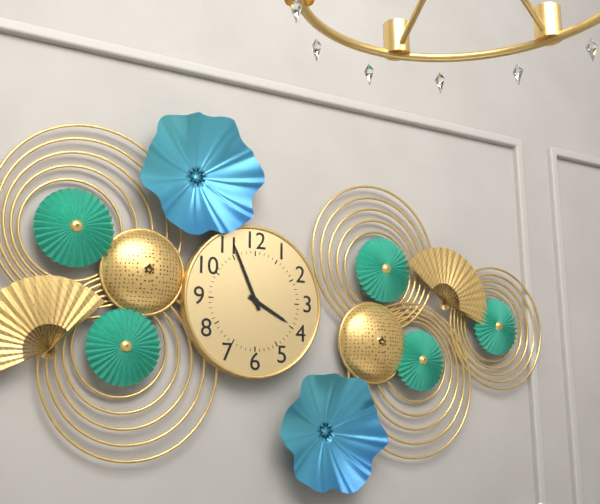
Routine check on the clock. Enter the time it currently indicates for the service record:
3:56
